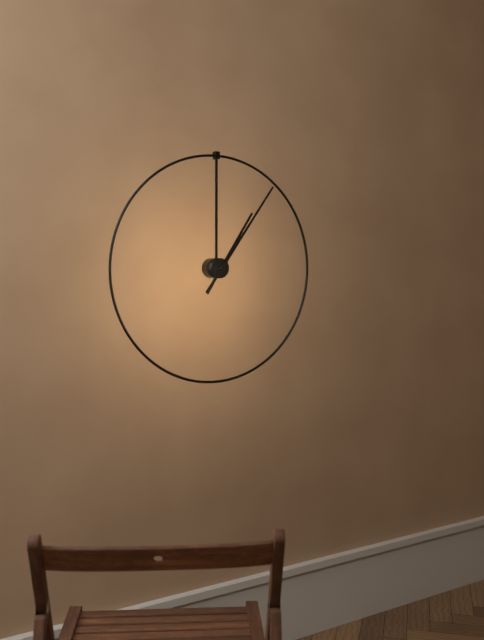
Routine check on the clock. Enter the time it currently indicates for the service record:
1:06
